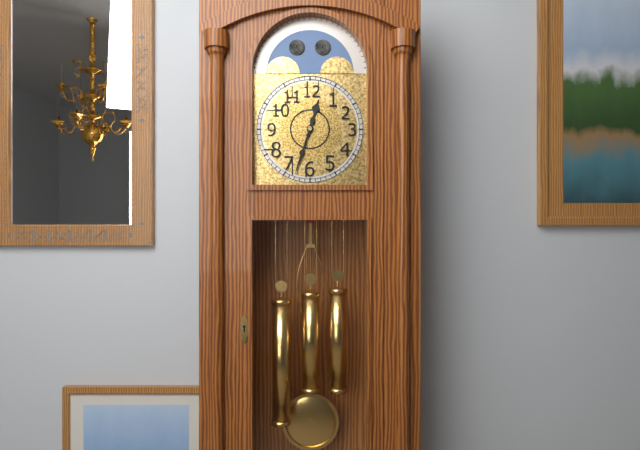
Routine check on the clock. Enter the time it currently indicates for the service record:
12:33
